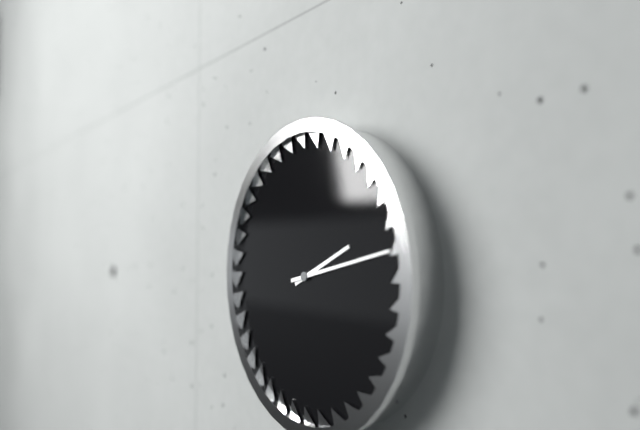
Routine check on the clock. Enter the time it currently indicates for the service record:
2:13
